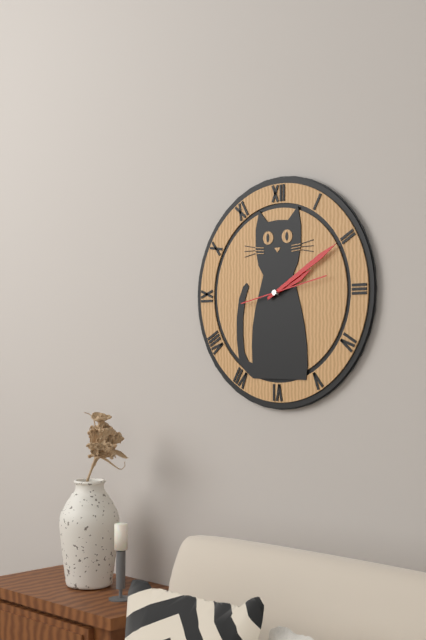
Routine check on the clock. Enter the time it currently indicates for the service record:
2:10:13
